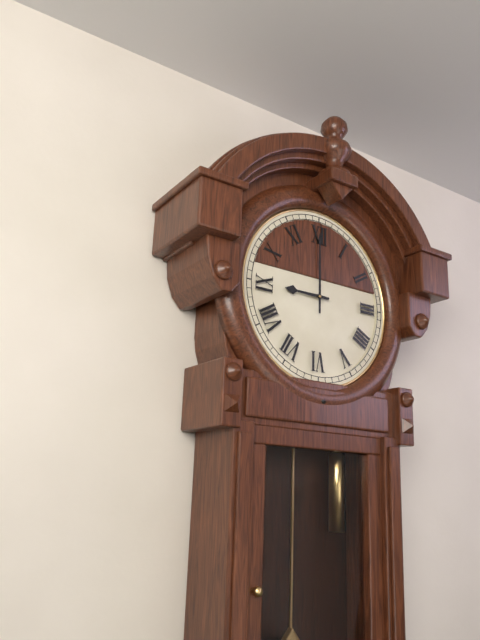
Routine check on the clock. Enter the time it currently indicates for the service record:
9:00
